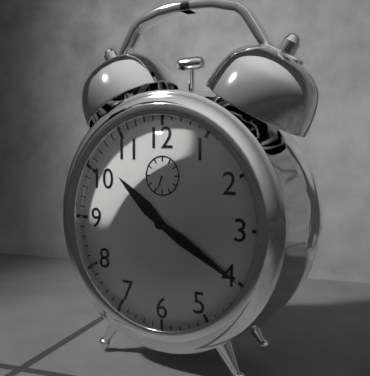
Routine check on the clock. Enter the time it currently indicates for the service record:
10:20
